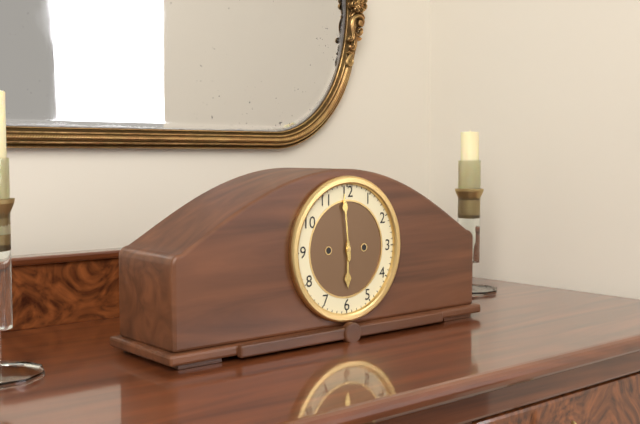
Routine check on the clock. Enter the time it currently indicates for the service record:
5:59
